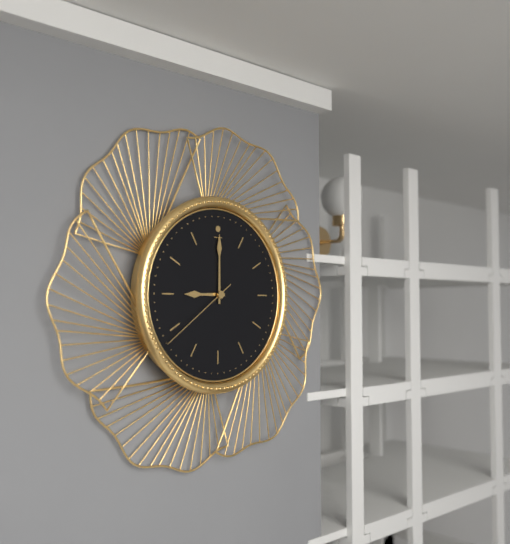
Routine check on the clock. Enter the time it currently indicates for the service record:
9:00:39
